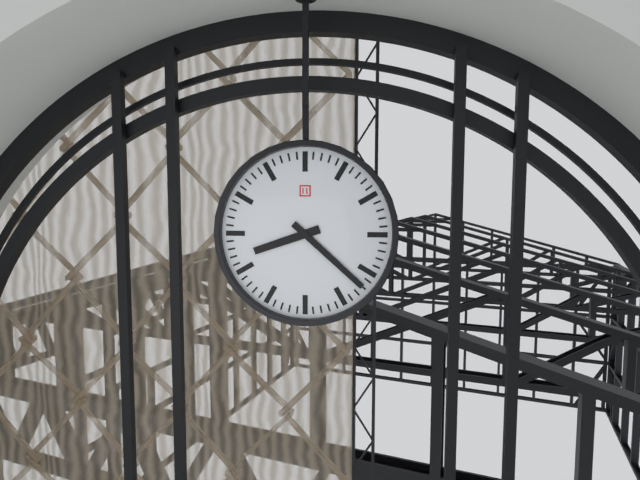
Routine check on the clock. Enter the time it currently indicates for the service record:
8:22
